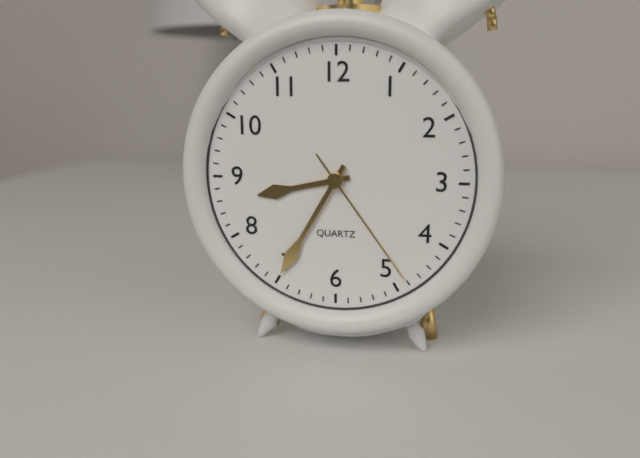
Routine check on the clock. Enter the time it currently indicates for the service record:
8:35:24
